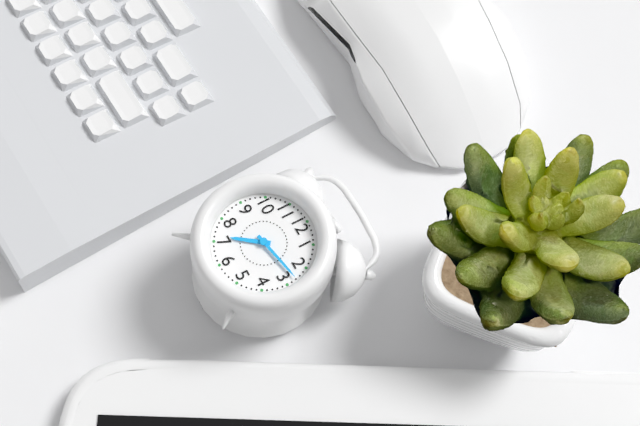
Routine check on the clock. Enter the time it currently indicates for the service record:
7:13
